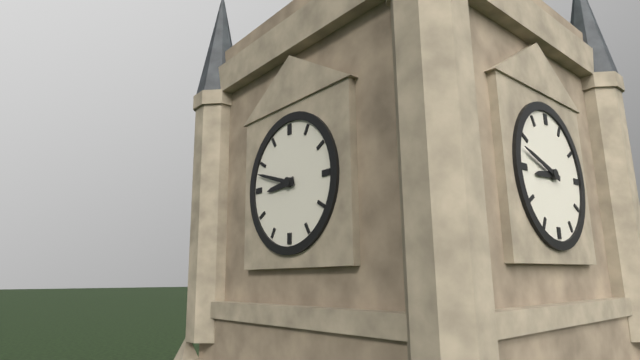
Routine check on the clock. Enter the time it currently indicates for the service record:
8:48
